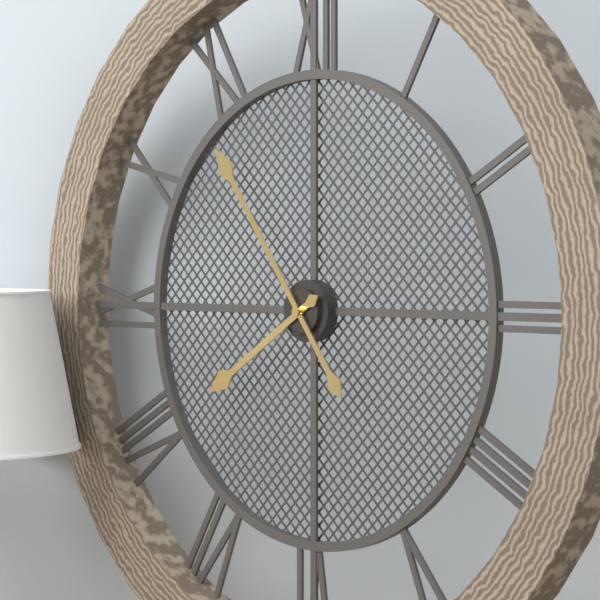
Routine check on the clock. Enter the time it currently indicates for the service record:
7:54
